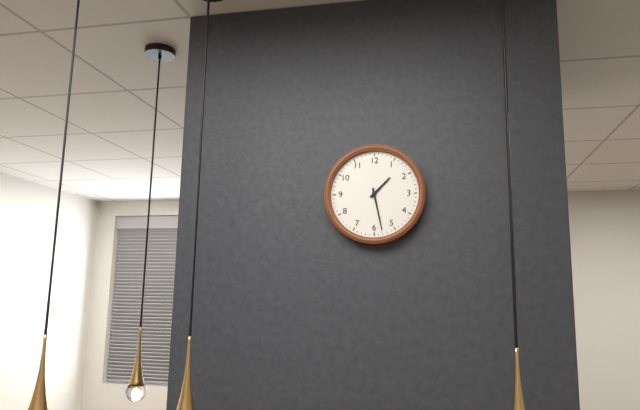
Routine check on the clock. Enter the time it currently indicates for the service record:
1:28
